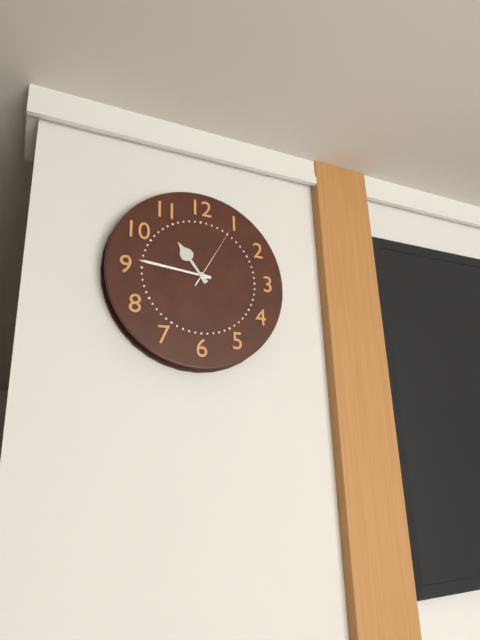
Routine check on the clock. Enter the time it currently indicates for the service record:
10:46:05
